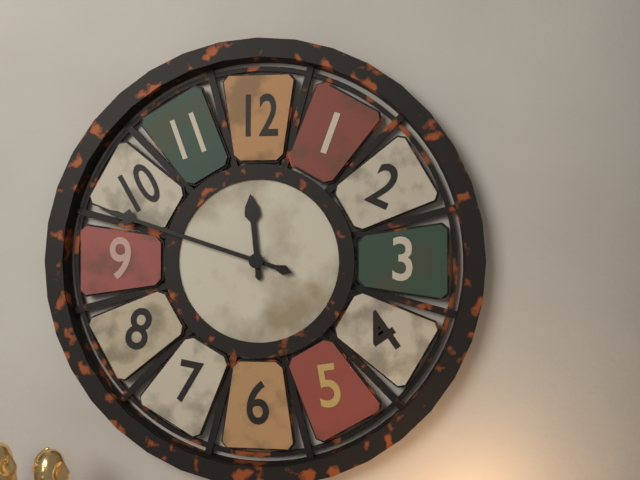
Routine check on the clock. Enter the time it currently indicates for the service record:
11:48
